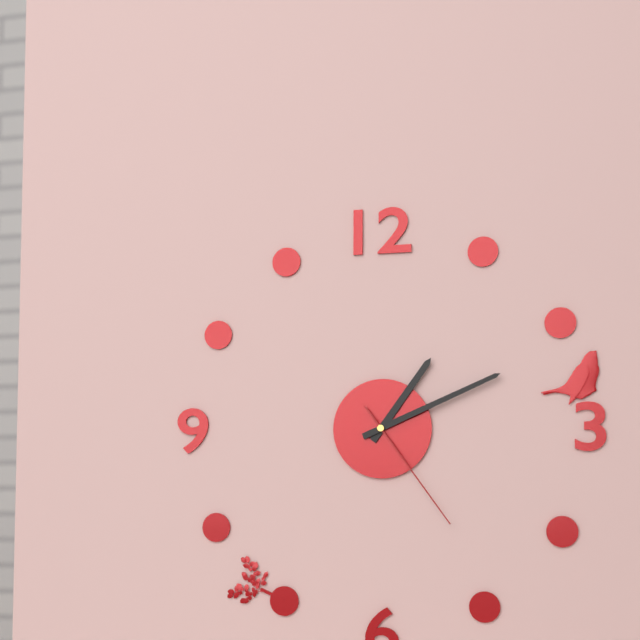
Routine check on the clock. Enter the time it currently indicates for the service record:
1:11:24
